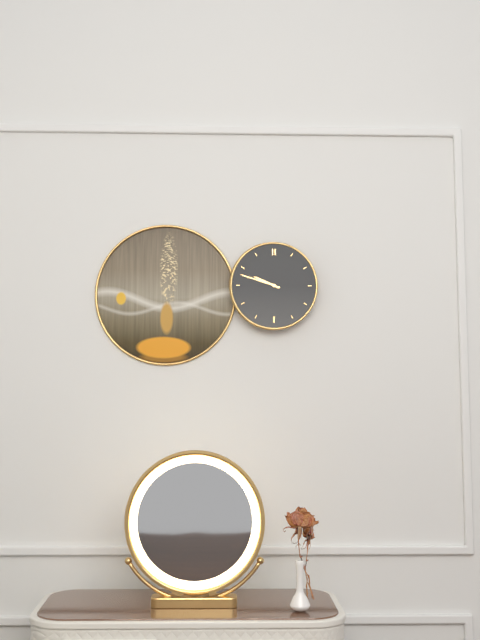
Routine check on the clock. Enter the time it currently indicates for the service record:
9:48
